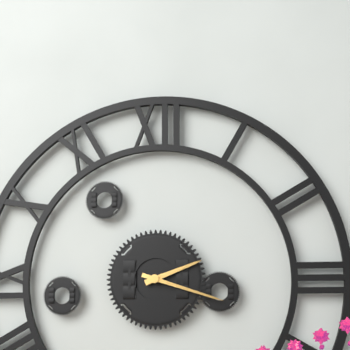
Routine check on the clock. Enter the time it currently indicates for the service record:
2:18
